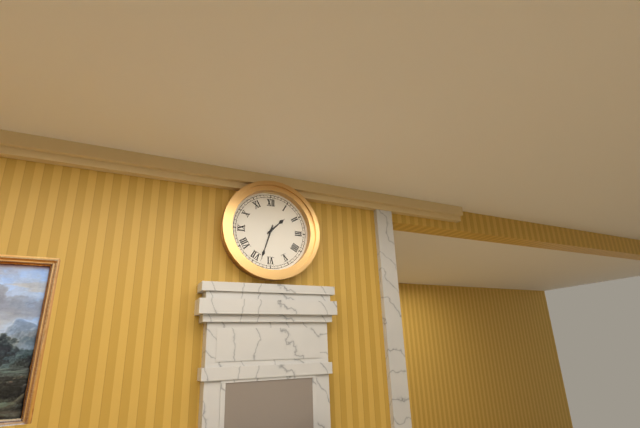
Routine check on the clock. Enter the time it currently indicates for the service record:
1:33
